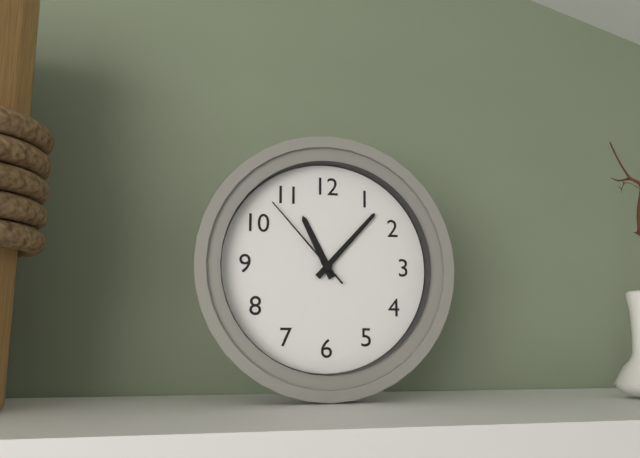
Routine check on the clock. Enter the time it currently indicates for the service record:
11:07:53
